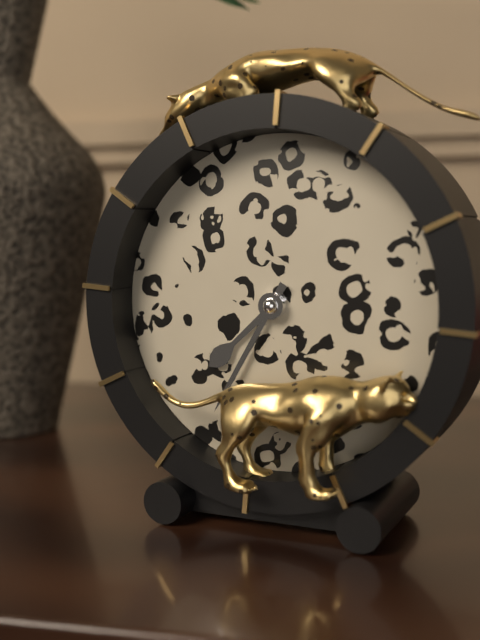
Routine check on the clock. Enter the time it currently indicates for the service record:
7:35
